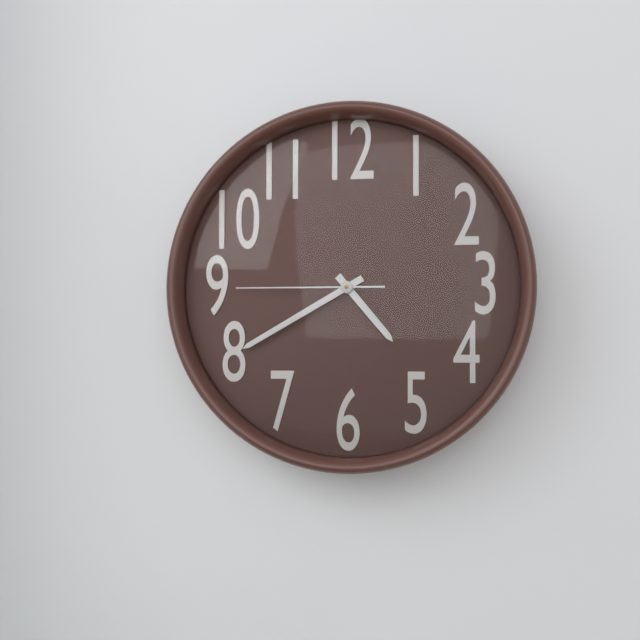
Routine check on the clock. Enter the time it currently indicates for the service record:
4:40:45
